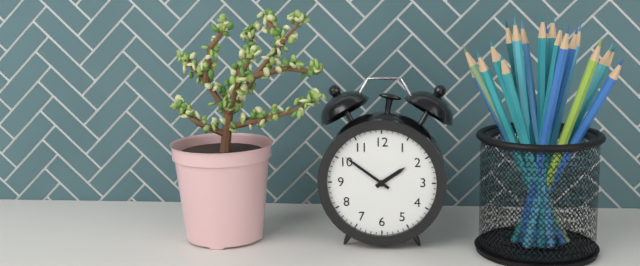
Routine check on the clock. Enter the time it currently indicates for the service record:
1:51
